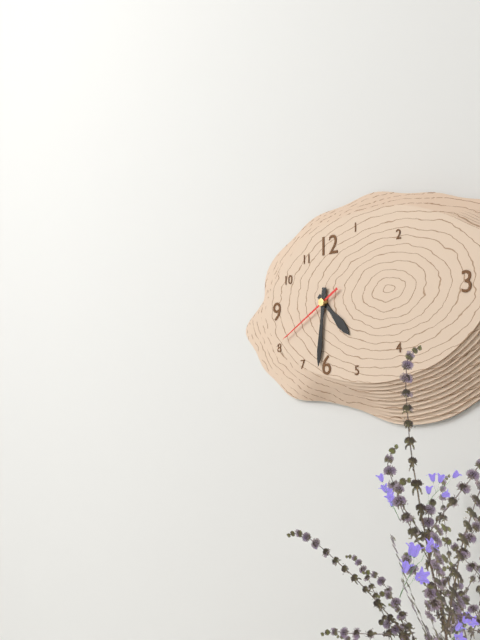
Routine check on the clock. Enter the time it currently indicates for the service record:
4:31:40
